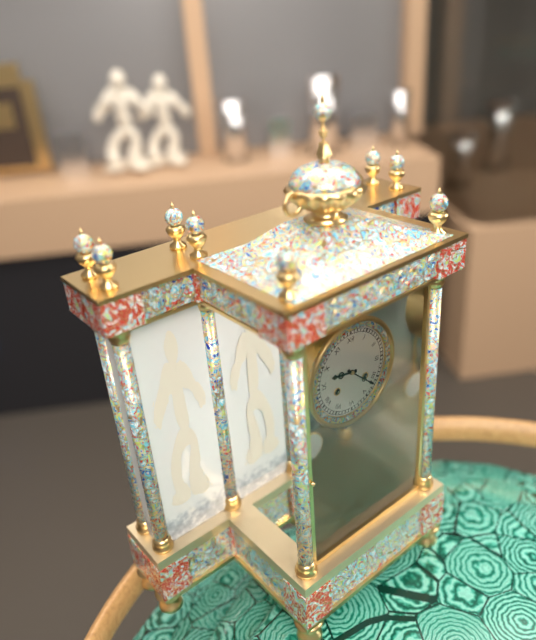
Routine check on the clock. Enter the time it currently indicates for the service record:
9:22
